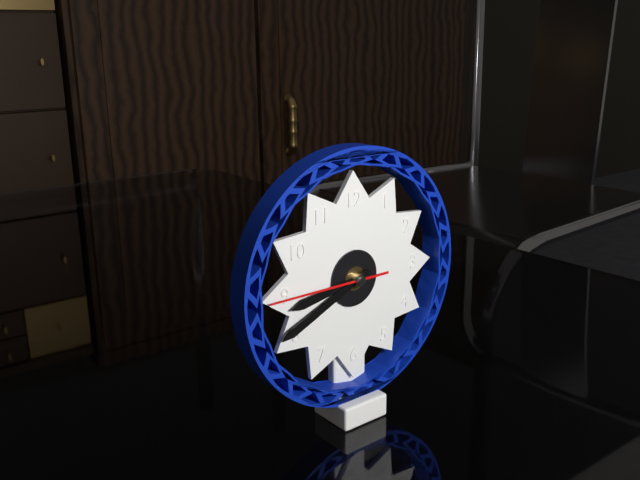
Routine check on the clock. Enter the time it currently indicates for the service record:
8:41:45
